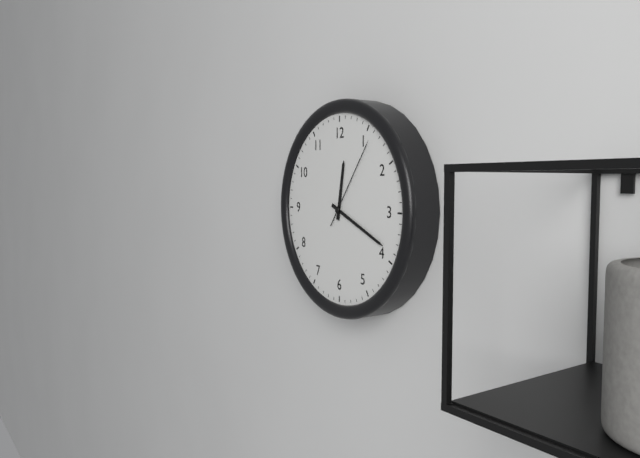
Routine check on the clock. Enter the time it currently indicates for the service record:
12:19:06
